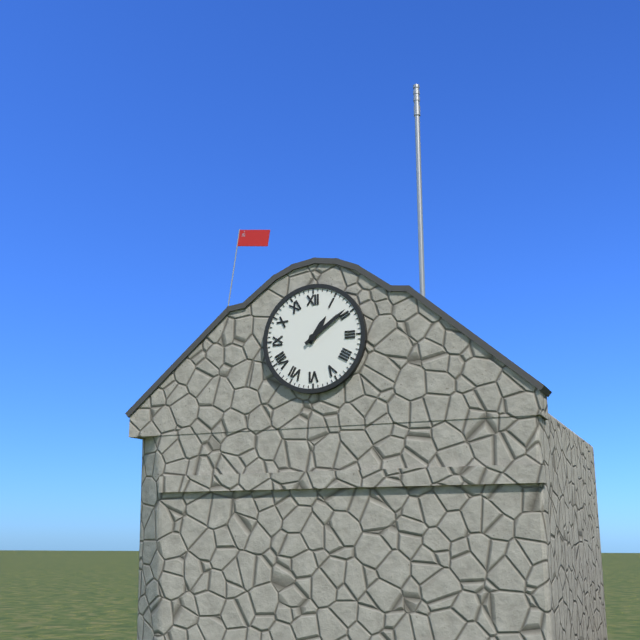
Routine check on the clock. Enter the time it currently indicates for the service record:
1:09
